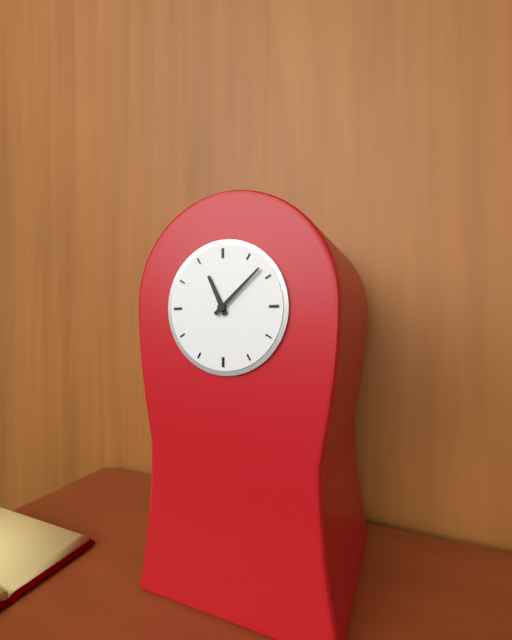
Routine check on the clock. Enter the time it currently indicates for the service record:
11:08
